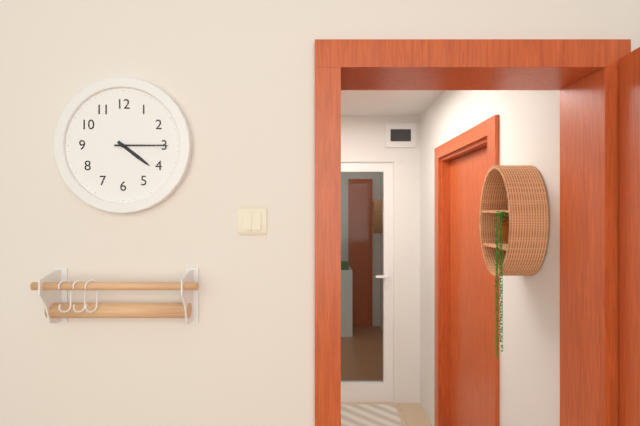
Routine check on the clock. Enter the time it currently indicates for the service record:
4:15
